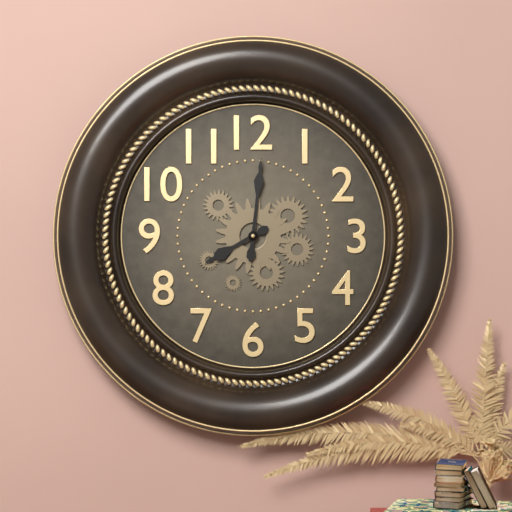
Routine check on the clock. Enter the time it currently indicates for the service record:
8:01
